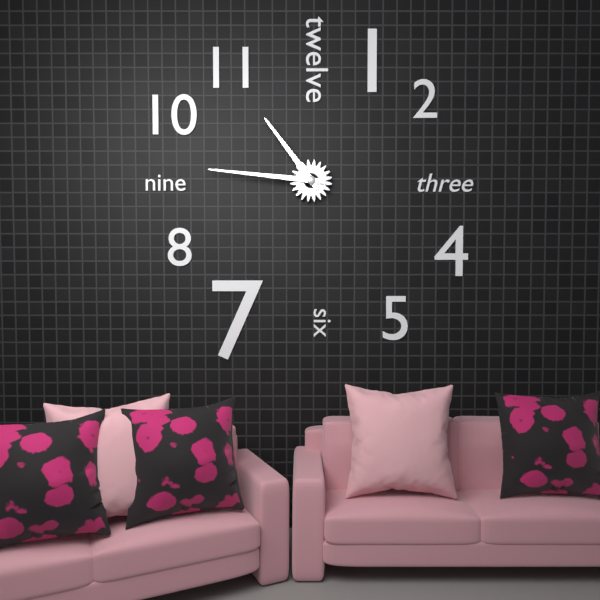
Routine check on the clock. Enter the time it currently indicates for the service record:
10:46
